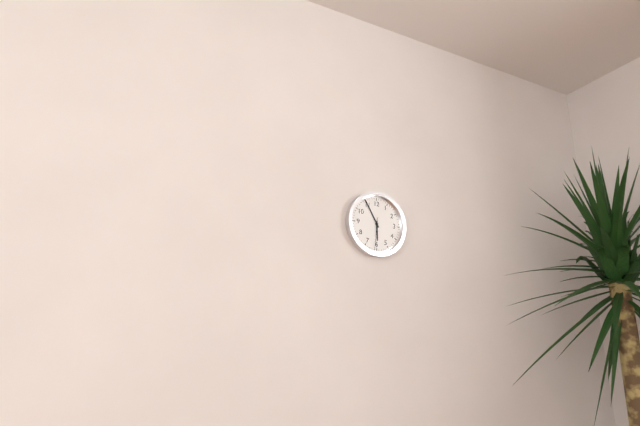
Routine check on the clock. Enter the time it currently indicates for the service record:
5:55
